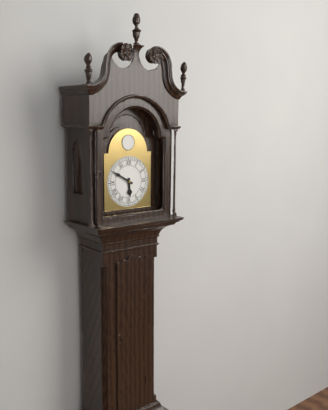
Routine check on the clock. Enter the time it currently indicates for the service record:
5:50
